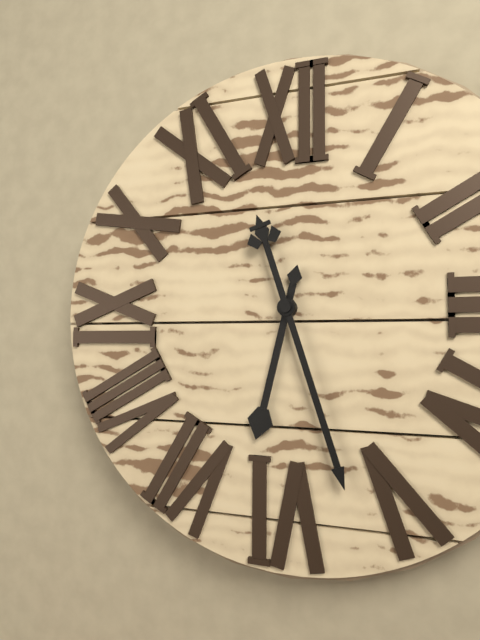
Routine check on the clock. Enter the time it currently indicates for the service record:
6:27
